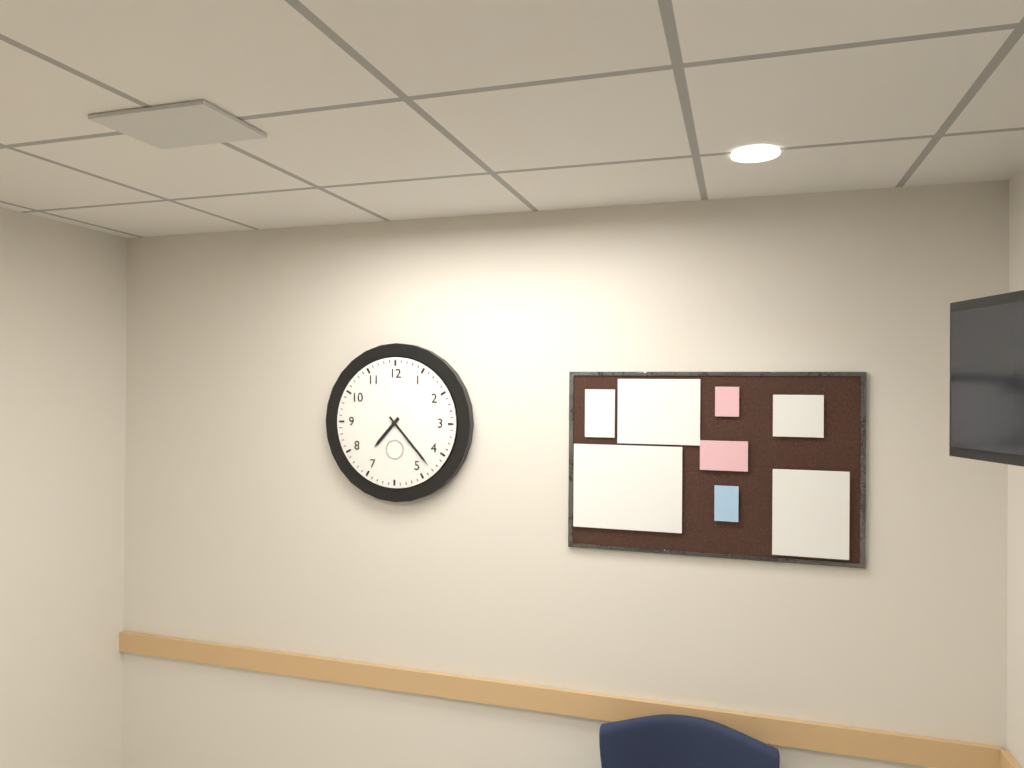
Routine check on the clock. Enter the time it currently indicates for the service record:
7:23
